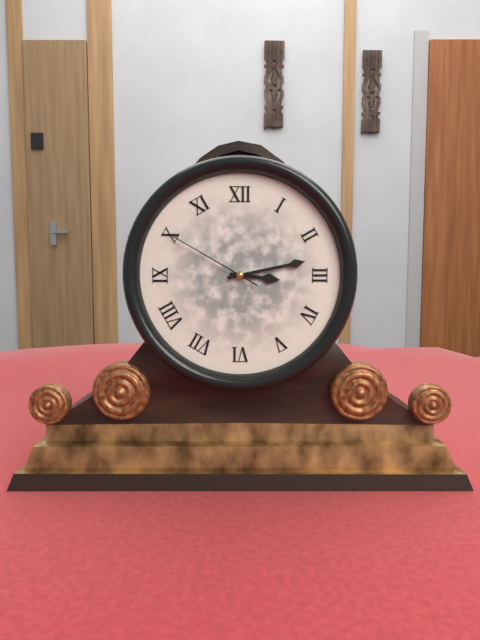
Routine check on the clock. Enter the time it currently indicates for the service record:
3:13:50
